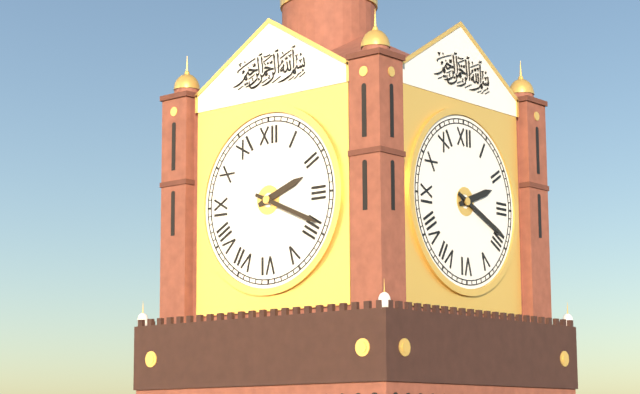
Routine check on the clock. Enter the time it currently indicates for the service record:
2:19
